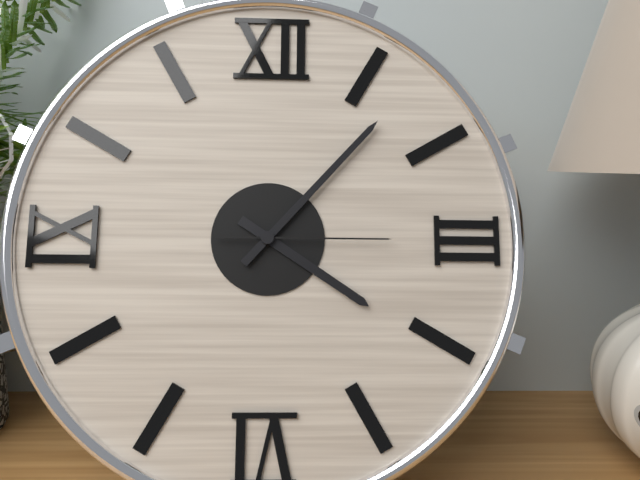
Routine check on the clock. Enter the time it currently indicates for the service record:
4:07:15
